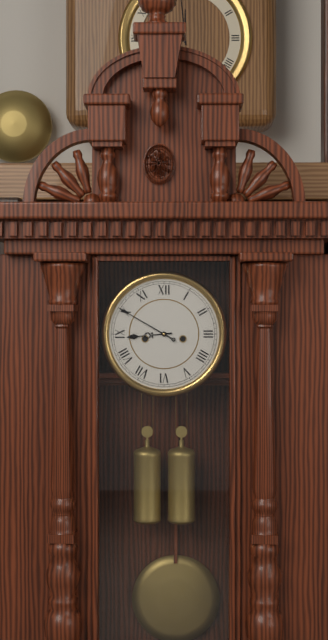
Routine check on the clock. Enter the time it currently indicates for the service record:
8:50
